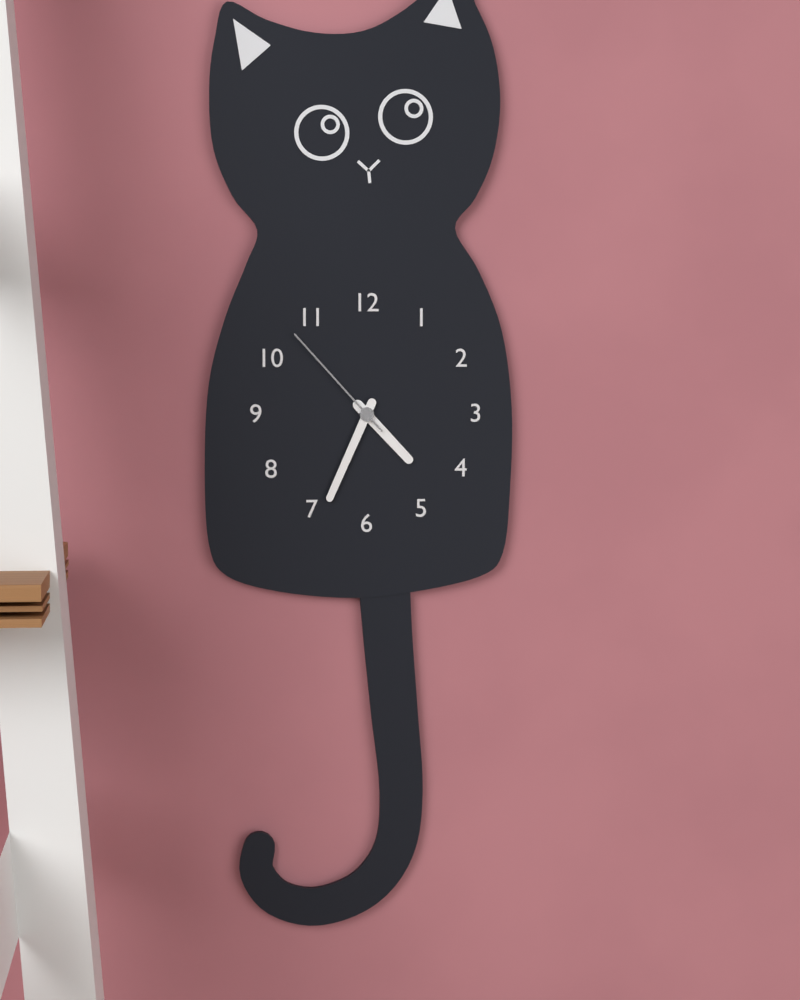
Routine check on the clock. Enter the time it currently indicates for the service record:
4:34:53
